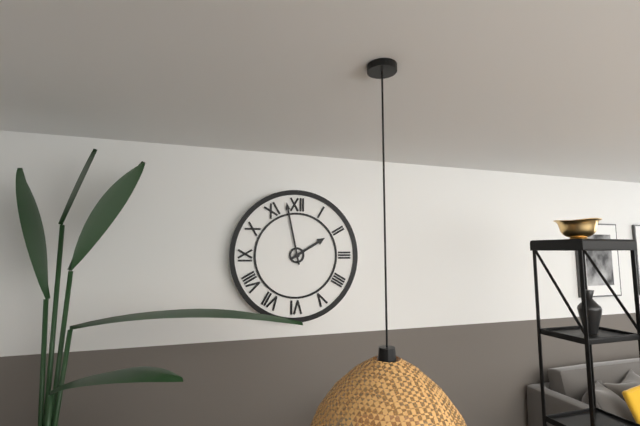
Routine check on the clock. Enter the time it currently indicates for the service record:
1:58
